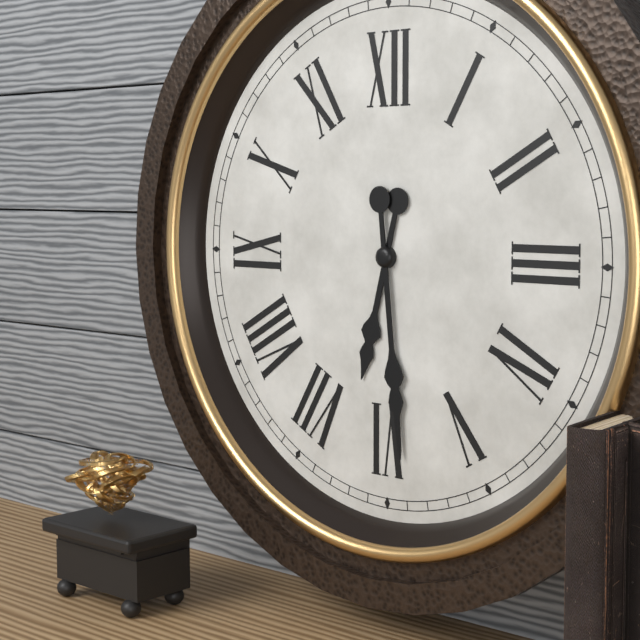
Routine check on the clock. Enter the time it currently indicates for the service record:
6:29
